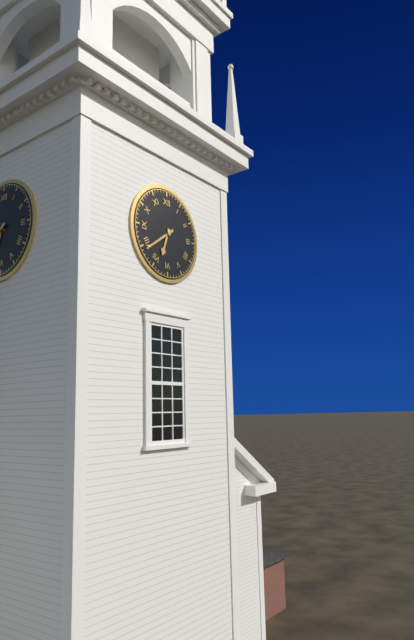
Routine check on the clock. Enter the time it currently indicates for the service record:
6:39
